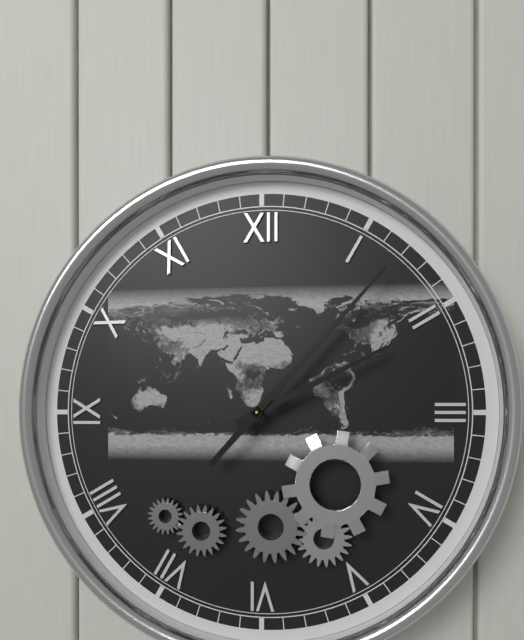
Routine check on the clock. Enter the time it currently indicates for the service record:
2:07
